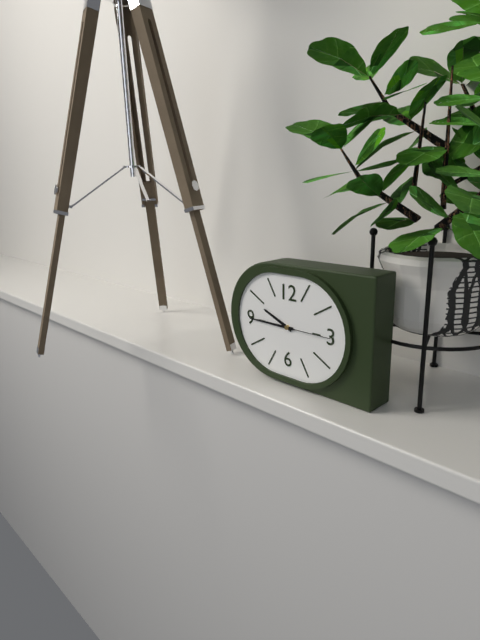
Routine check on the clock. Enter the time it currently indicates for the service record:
9:45:15
